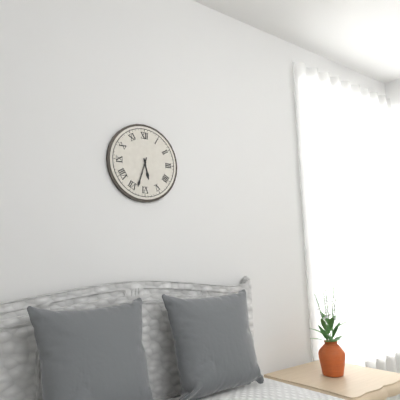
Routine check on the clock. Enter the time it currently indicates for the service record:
5:33
